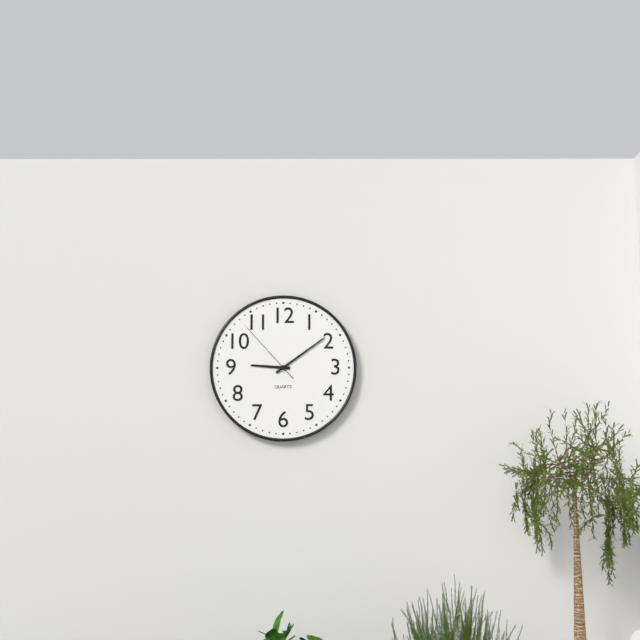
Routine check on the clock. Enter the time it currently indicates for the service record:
9:09:53
